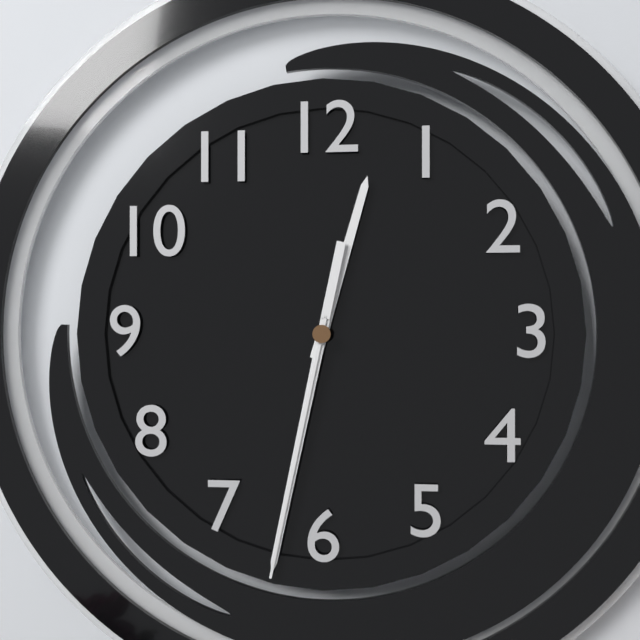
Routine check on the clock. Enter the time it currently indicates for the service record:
12:32:32
